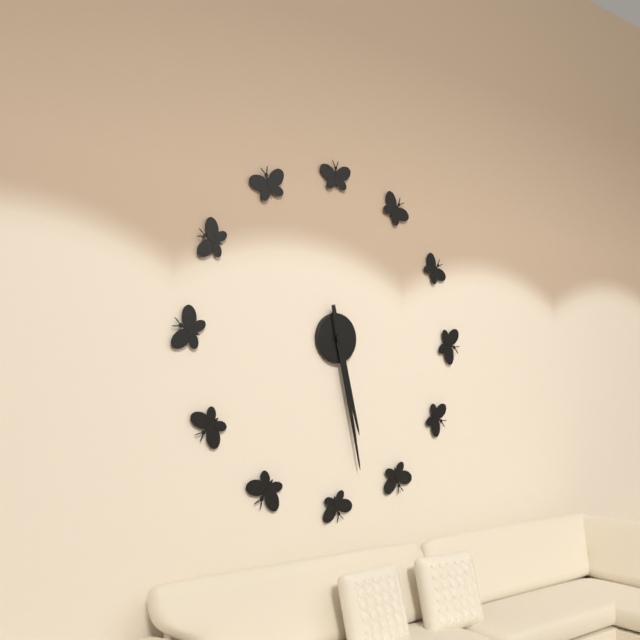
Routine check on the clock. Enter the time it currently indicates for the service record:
5:28
